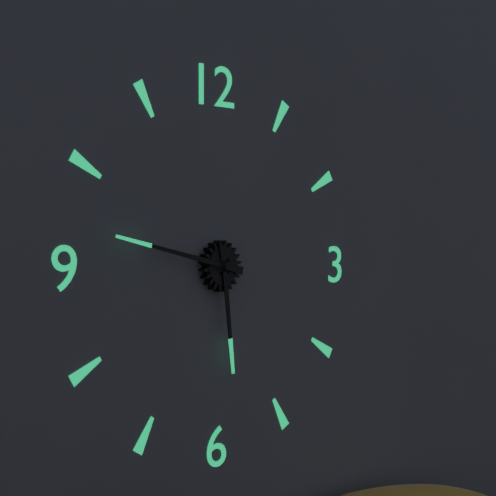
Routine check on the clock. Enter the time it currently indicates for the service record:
5:47
